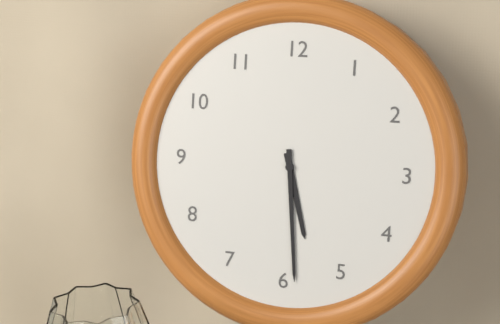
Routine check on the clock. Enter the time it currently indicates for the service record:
5:29
